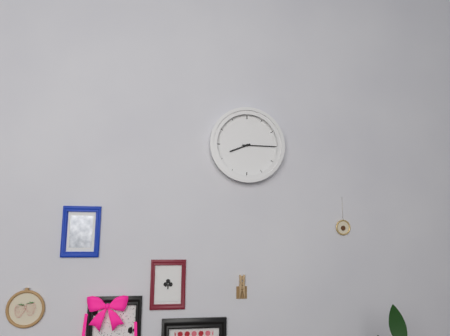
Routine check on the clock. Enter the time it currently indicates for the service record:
8:15
